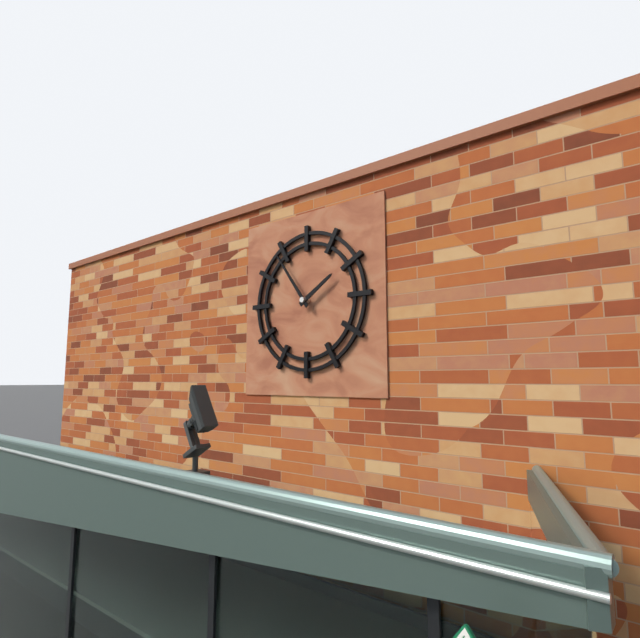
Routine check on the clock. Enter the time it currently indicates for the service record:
1:54
